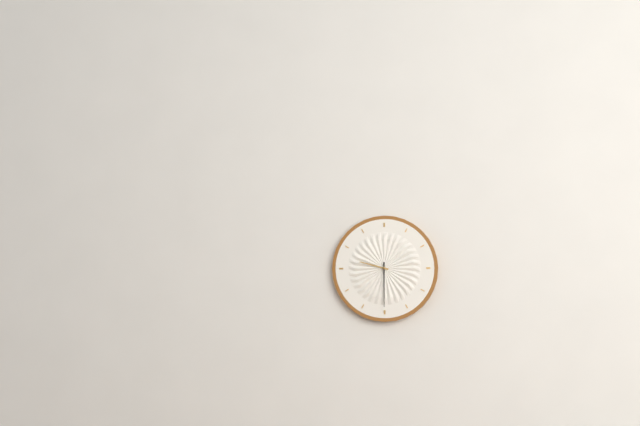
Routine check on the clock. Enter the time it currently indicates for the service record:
9:30
